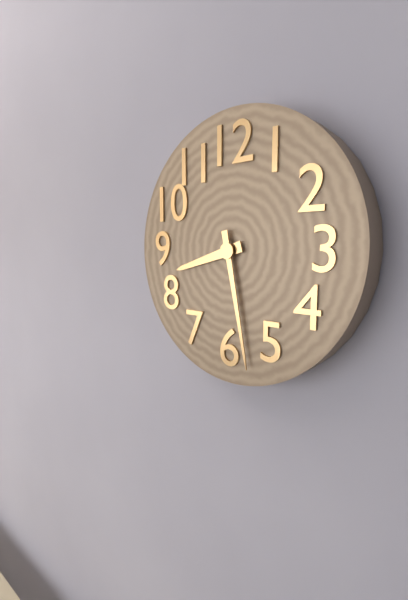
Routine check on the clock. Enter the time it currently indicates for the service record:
8:28
